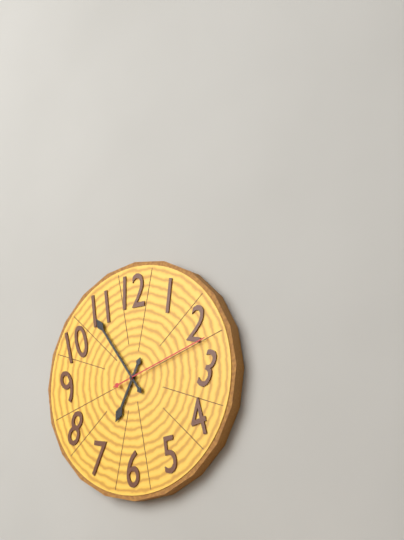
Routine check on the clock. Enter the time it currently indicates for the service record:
6:54:12
